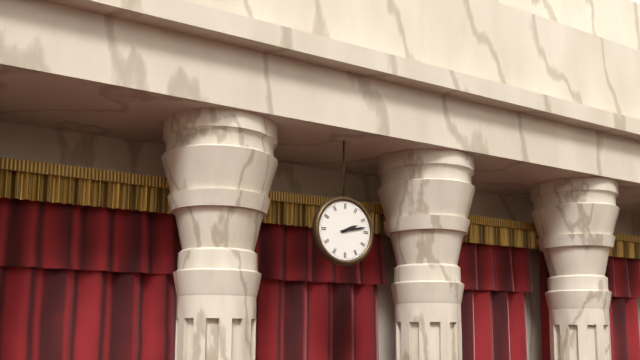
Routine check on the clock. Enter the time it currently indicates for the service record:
2:13
